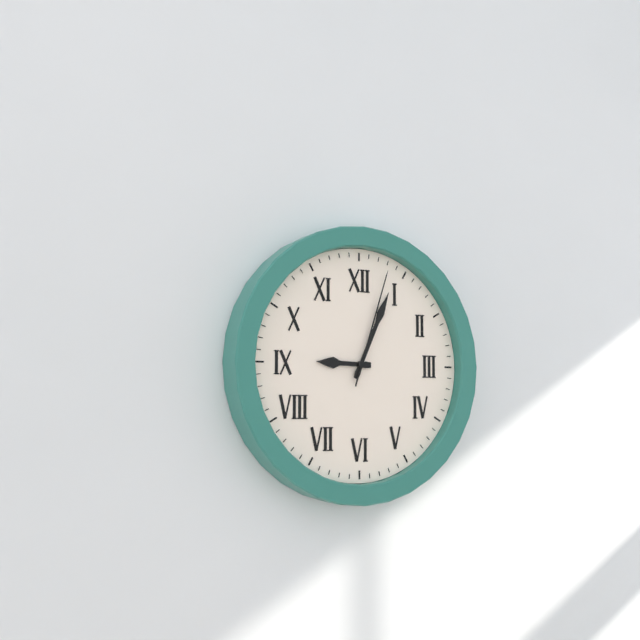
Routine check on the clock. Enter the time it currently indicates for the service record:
9:04:03
